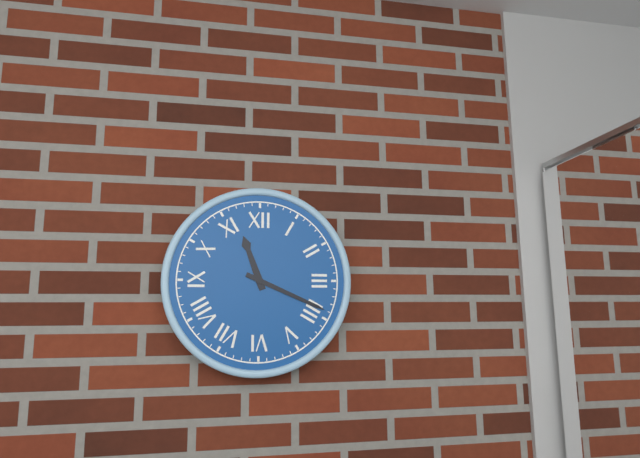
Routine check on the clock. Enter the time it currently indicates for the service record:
11:19
